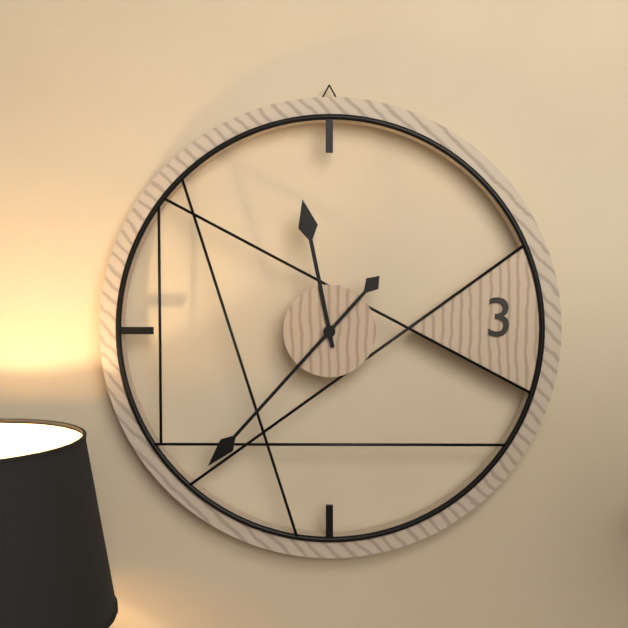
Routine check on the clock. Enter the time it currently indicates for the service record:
11:37
